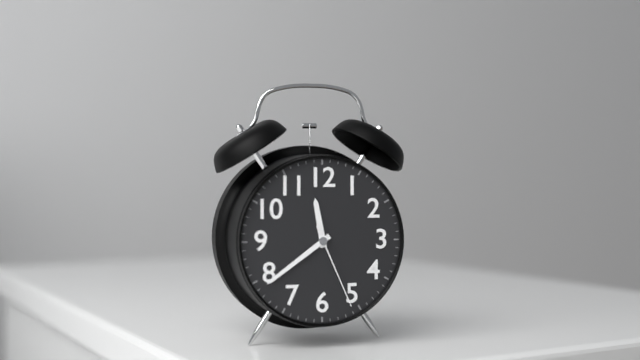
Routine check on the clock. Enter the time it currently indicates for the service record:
11:39:26
